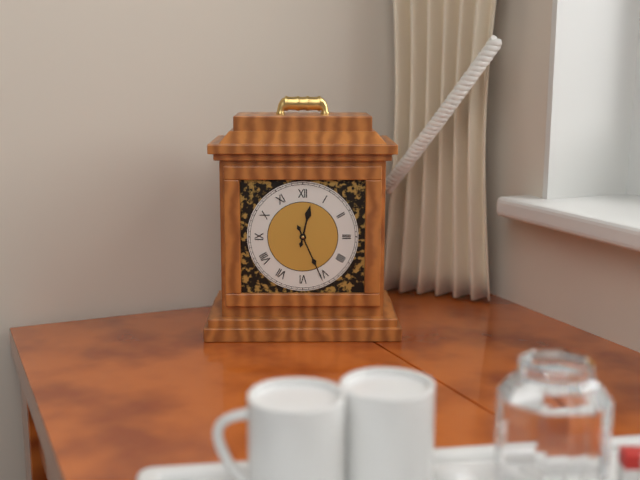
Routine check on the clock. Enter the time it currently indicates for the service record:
12:26
